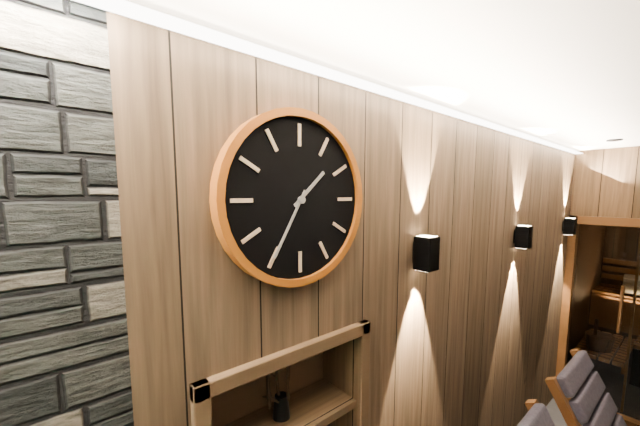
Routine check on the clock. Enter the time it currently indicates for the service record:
1:35
